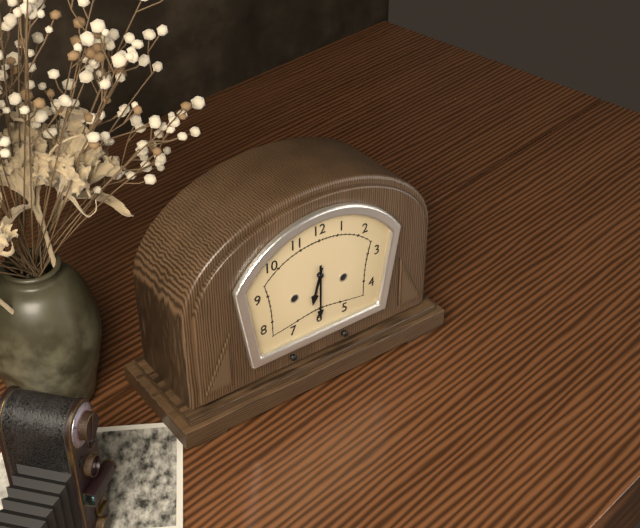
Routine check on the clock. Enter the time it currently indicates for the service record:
6:30
